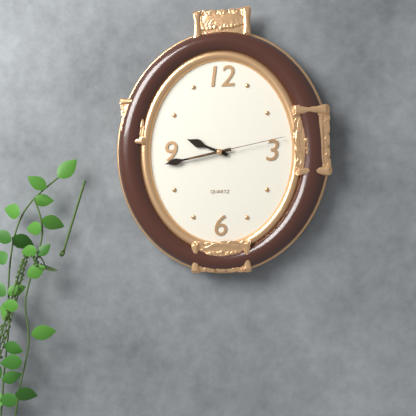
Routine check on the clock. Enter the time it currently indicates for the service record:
9:43:13
